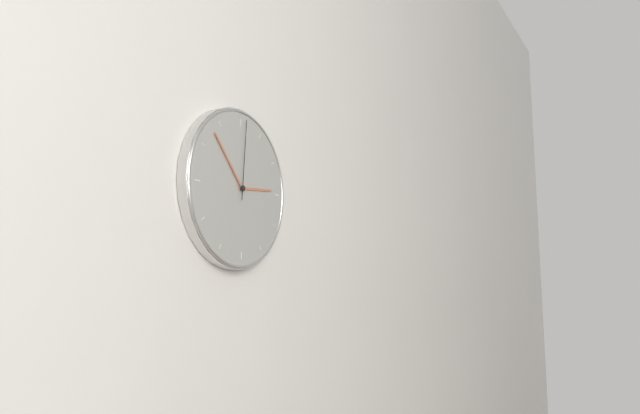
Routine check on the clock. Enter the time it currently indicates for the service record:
2:53:01
